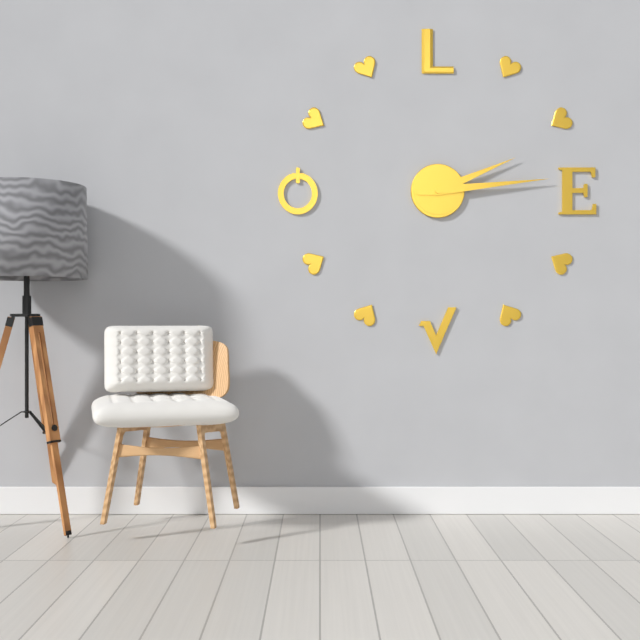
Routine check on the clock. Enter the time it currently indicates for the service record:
2:14
